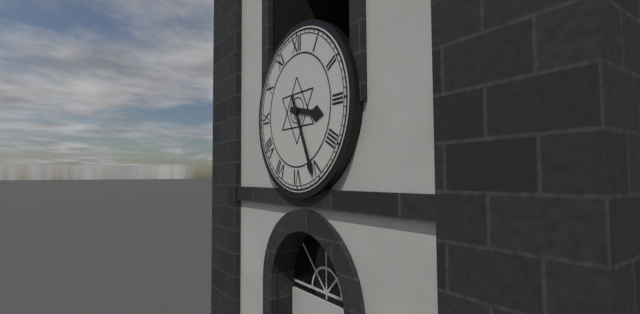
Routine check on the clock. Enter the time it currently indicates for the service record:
3:26
